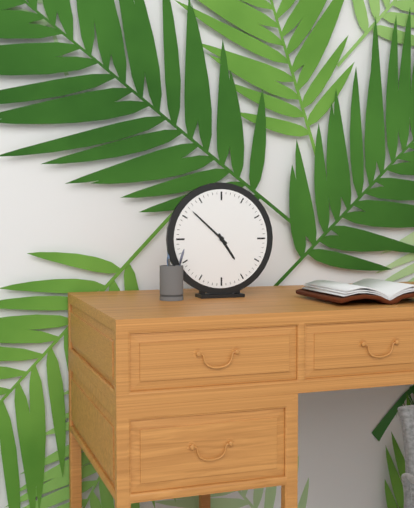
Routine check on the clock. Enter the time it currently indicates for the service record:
4:52
